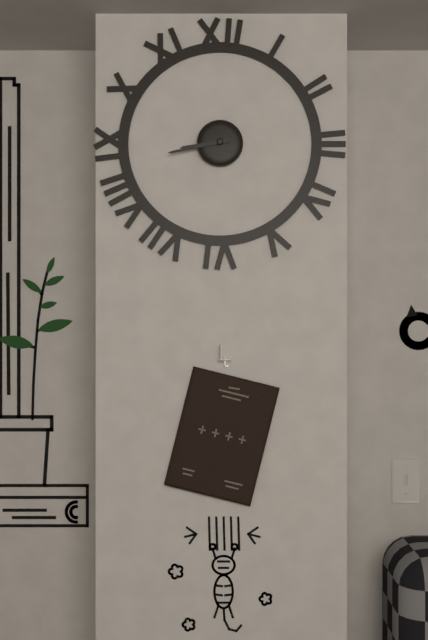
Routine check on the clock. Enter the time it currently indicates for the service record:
8:43
